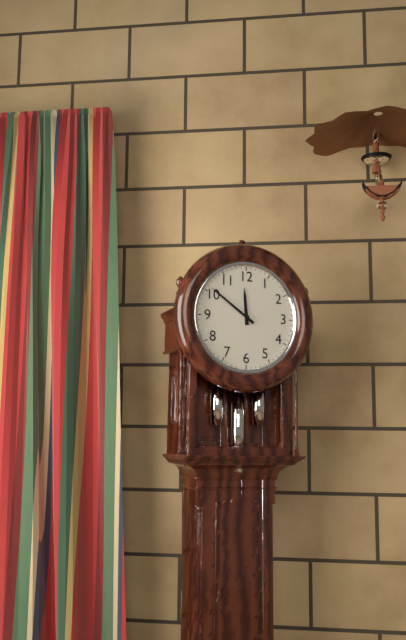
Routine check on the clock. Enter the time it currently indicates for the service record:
11:51
